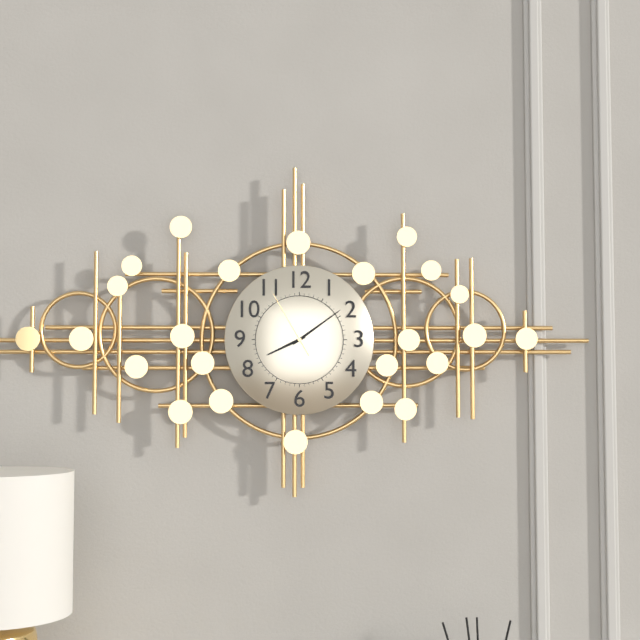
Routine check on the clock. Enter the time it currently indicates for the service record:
8:09:55
